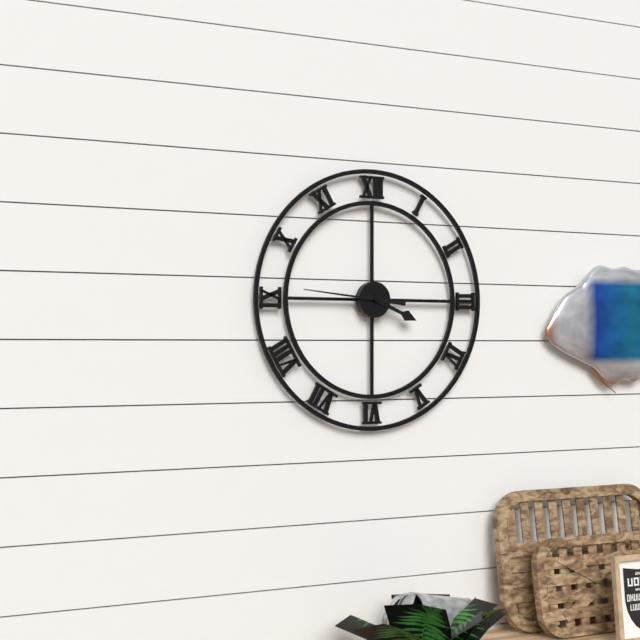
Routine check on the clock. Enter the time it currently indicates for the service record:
3:46
